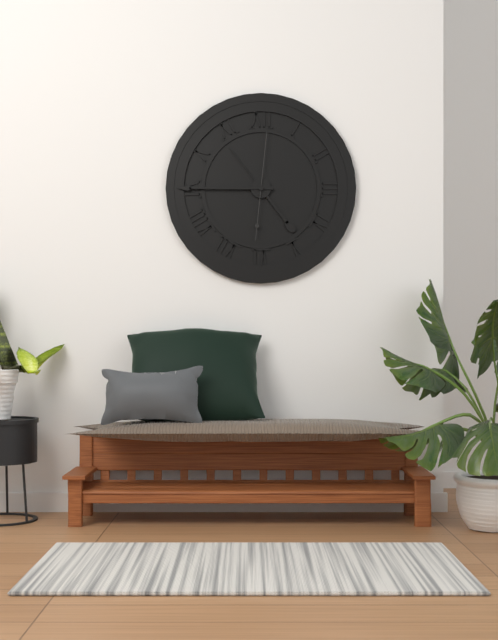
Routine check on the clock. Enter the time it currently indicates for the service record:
4:45:01
